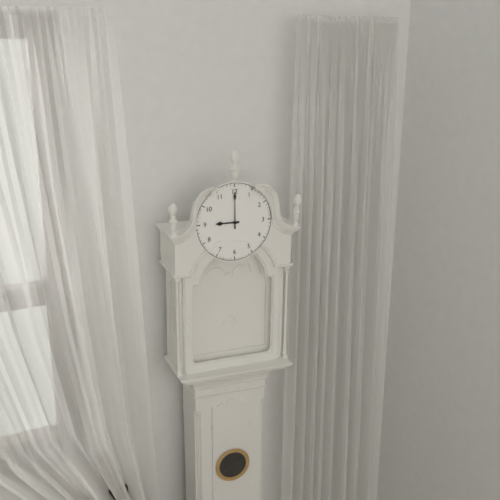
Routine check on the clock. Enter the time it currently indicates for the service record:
9:00
